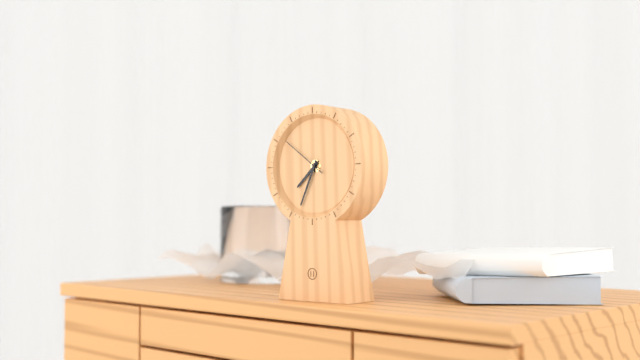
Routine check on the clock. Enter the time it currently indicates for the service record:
7:34
